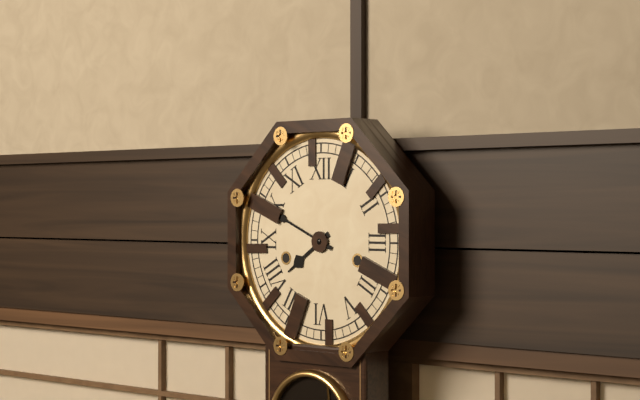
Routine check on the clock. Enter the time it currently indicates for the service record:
7:49
